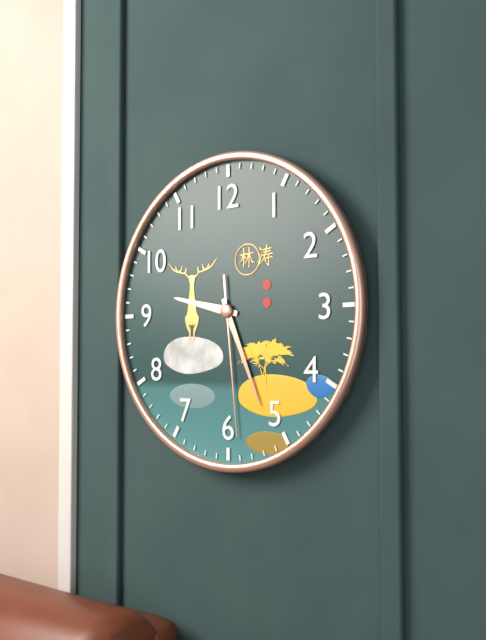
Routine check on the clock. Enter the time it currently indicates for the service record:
9:26:29
